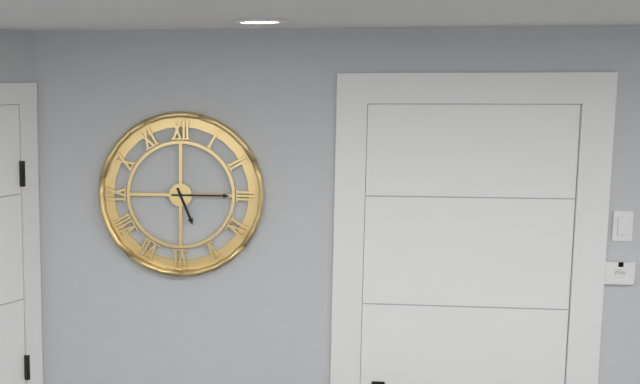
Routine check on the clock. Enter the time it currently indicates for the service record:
5:15
